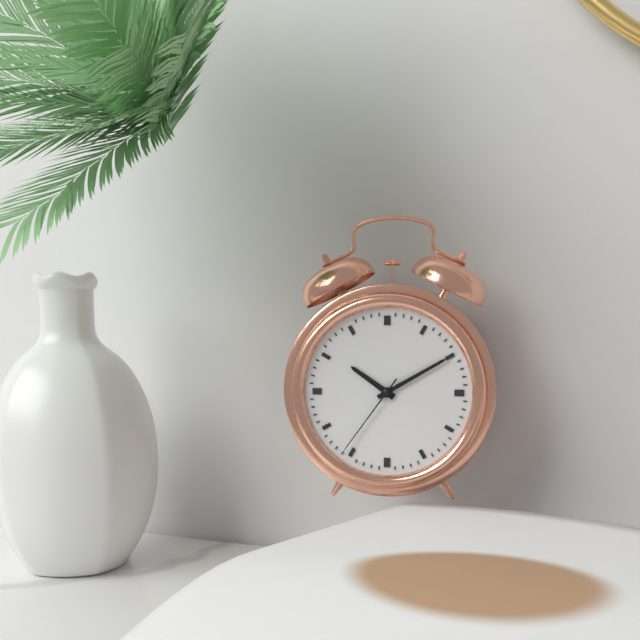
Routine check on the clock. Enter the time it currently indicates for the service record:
10:10:36
